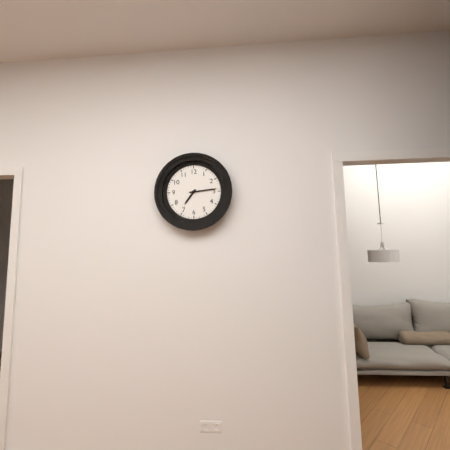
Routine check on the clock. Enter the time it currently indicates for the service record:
7:14
